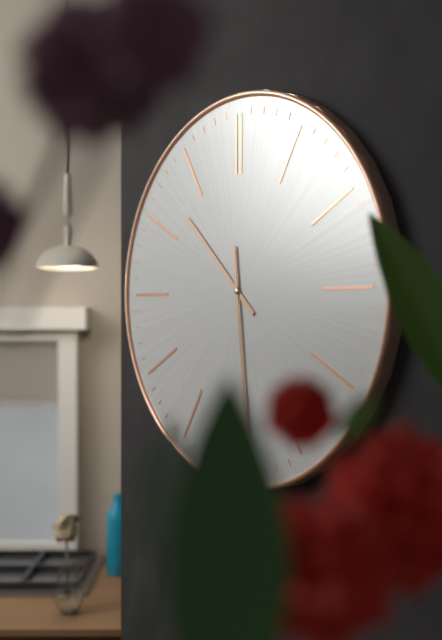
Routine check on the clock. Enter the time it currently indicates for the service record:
10:29
